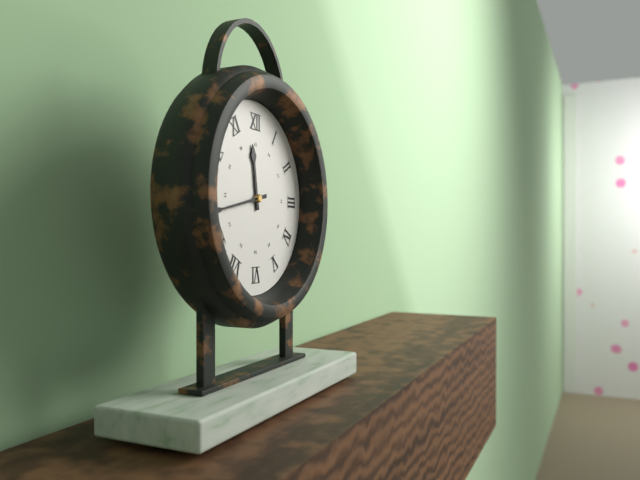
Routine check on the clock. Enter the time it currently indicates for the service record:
11:43
